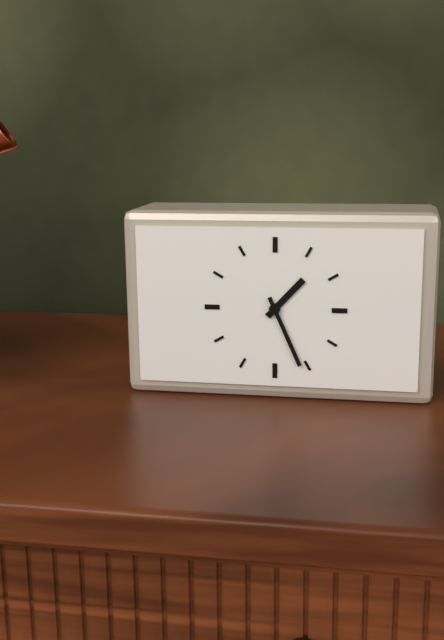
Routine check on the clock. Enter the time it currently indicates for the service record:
1:26
